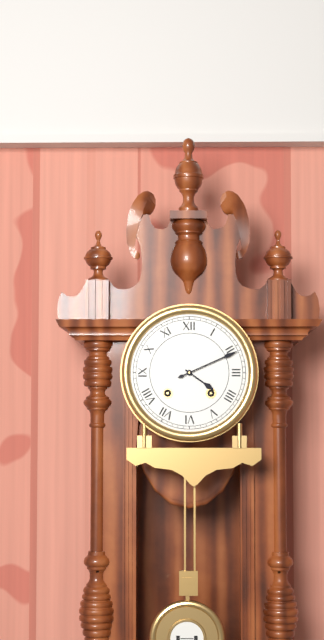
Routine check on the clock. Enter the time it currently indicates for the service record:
4:11
